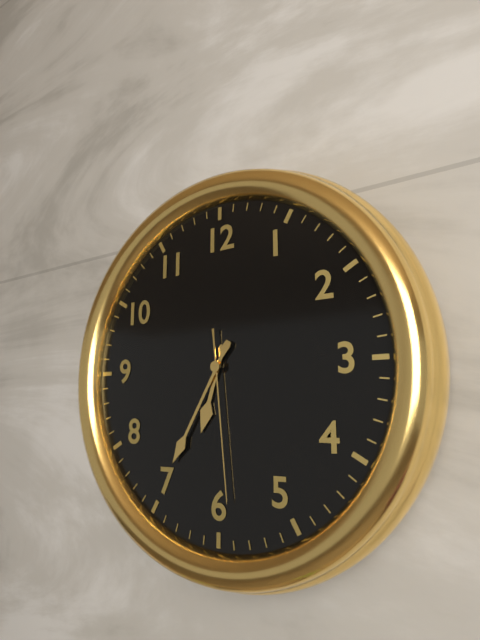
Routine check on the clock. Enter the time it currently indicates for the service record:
6:35:29
